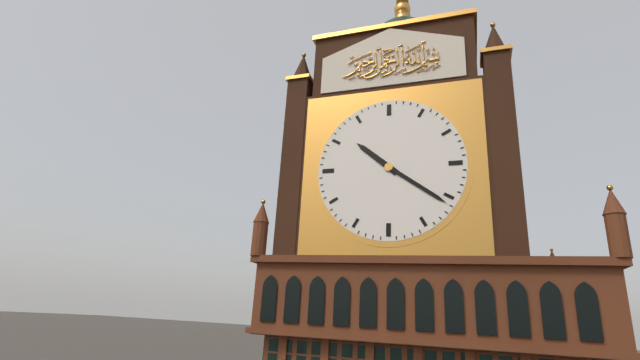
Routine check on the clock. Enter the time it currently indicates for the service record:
10:21
